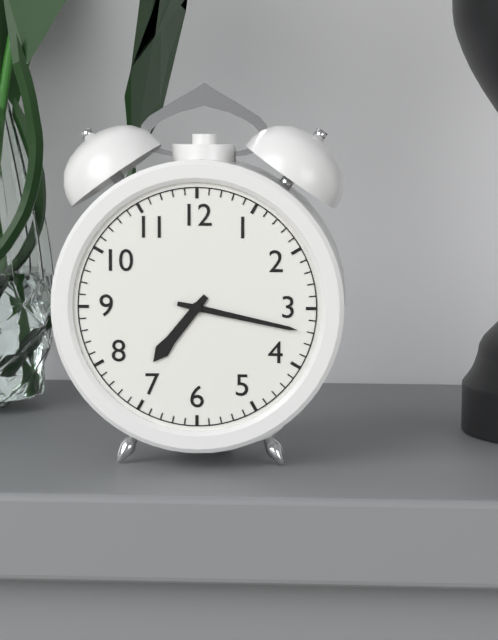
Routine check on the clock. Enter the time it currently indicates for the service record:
7:17
